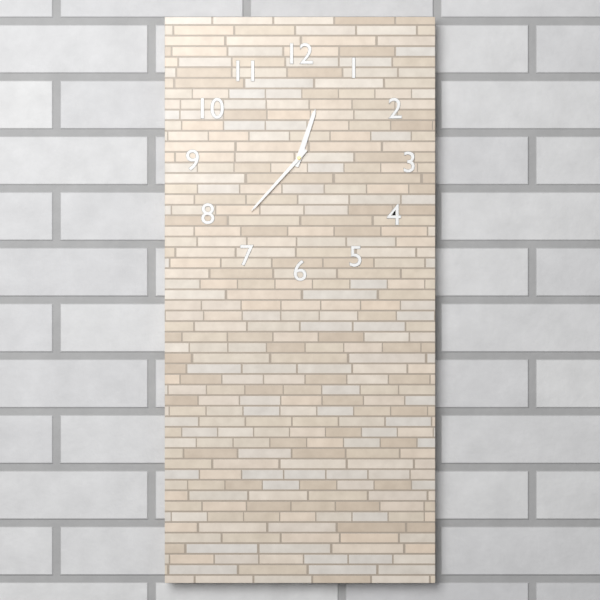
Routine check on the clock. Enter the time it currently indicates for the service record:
12:37
